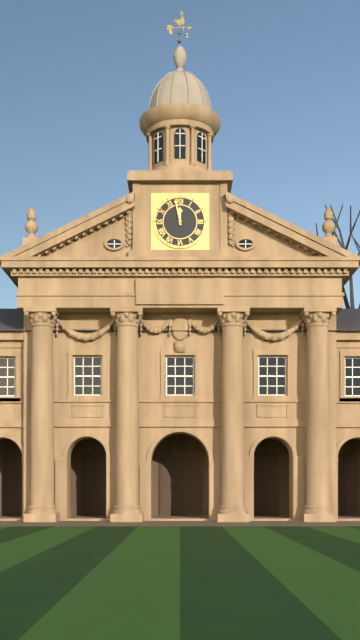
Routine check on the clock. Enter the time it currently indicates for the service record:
11:58
